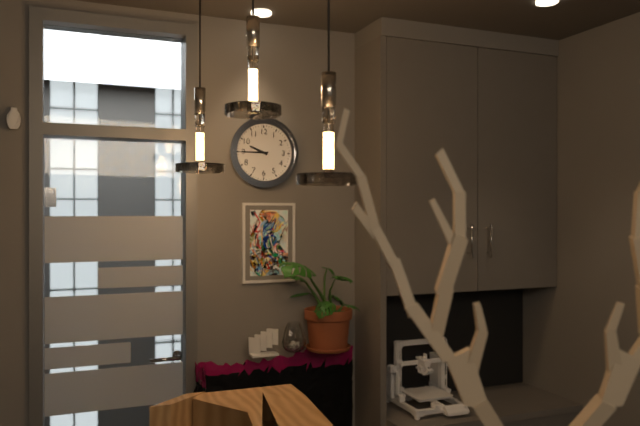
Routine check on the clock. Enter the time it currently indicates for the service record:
9:45
